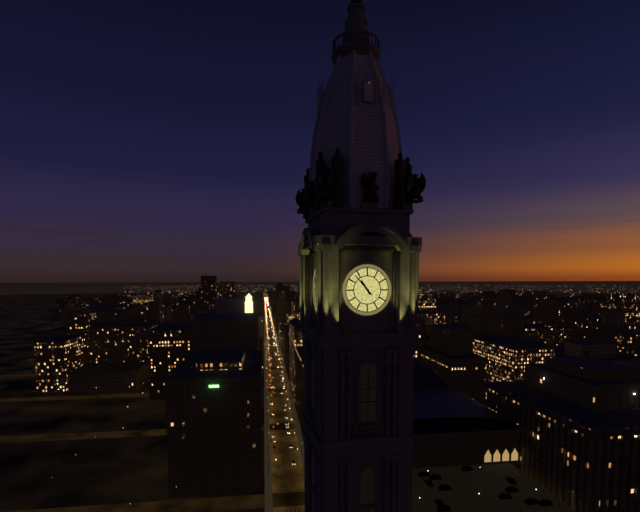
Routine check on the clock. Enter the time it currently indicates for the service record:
10:53
